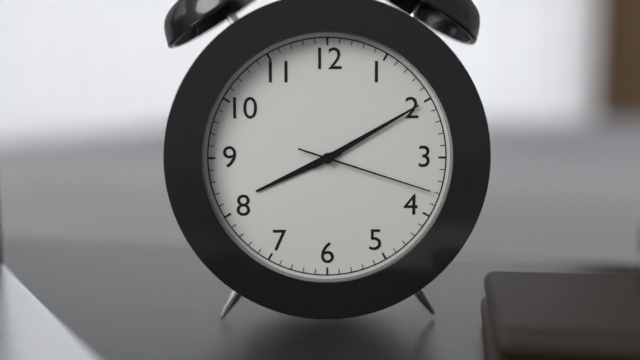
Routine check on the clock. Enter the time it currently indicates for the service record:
8:10:18
